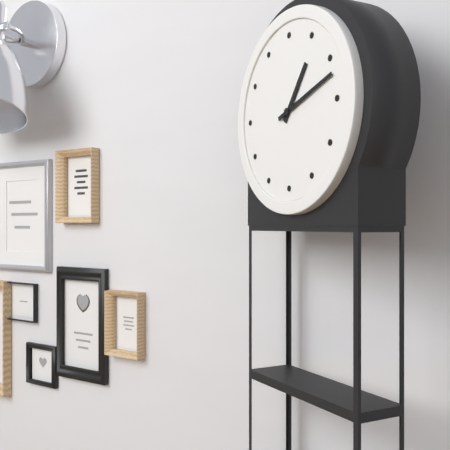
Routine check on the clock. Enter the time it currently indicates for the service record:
1:12
